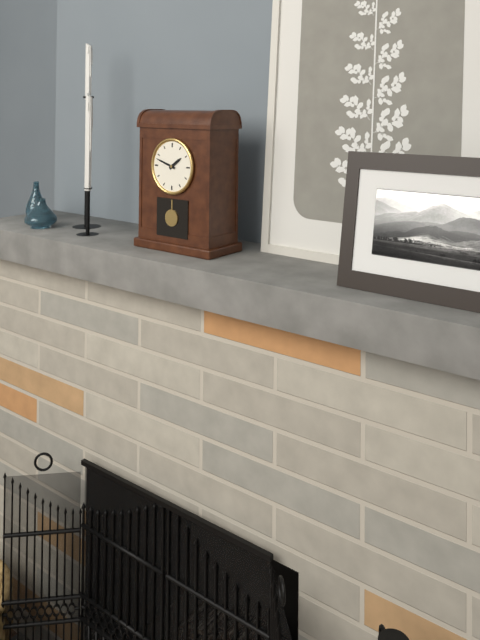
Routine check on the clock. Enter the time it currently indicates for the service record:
1:48
